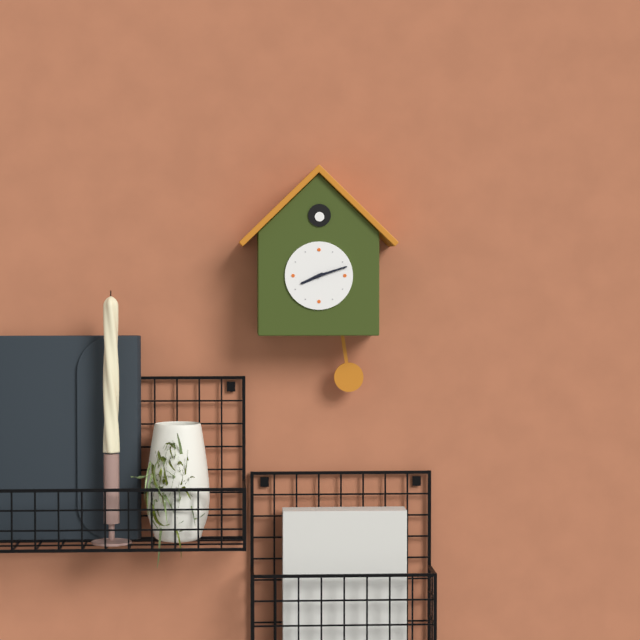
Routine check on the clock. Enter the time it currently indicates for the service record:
8:12
